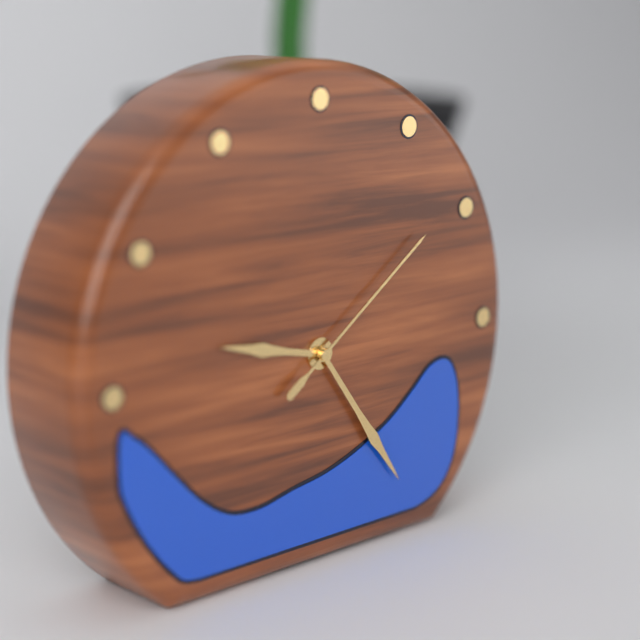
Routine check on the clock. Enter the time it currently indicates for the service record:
9:24:09
